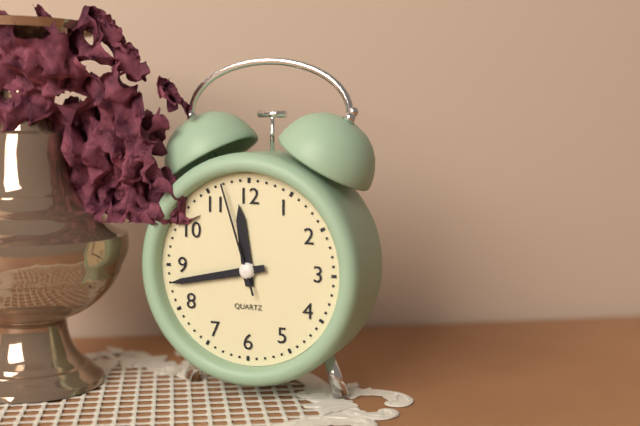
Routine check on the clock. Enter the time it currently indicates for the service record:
11:43:57
